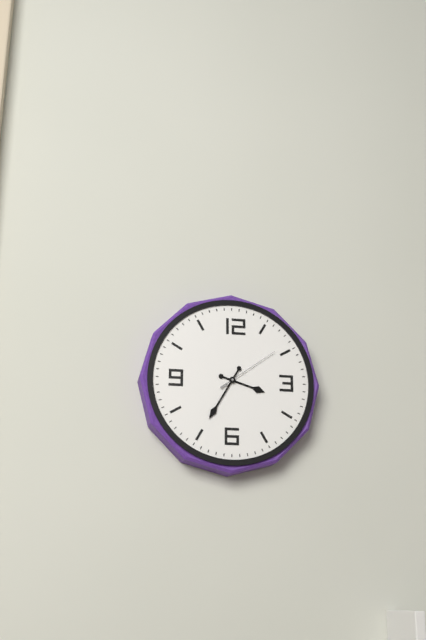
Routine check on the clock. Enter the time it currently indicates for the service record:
3:35:09
